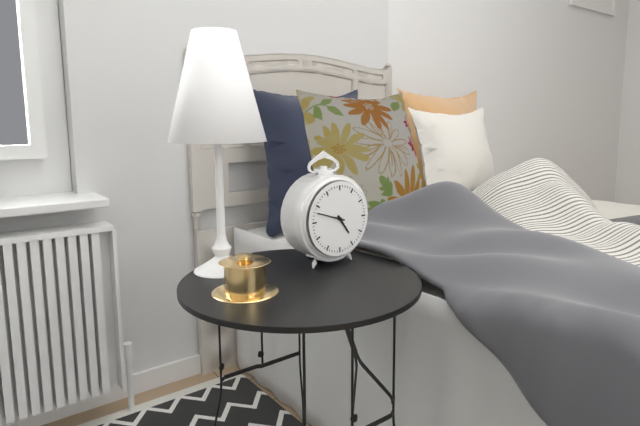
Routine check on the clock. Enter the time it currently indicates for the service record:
4:48
